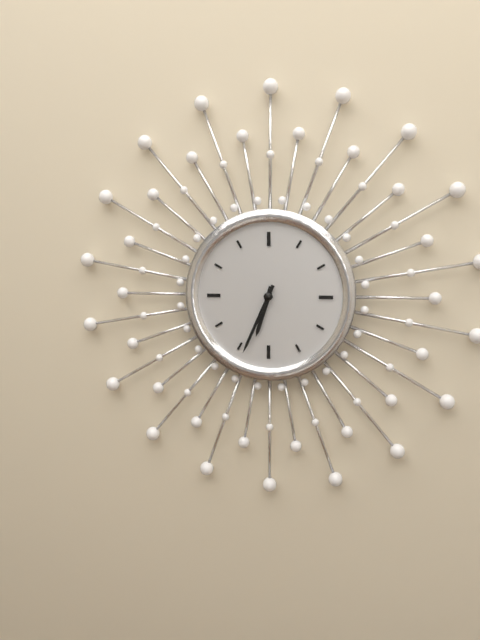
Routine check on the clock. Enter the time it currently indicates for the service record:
6:34
